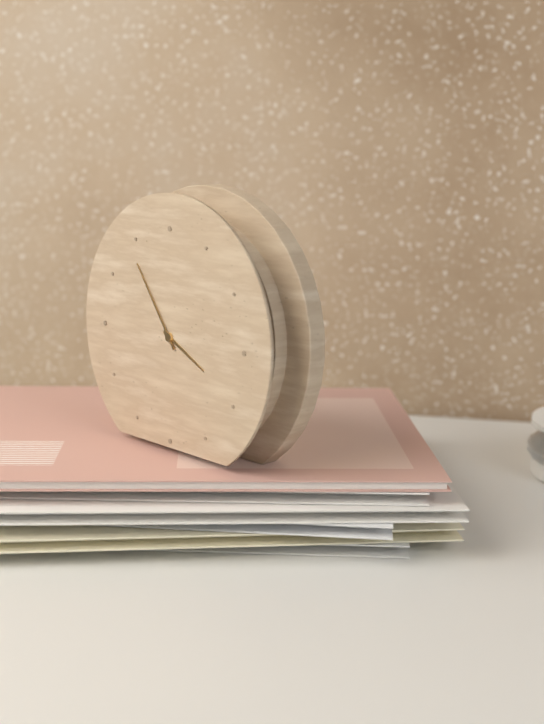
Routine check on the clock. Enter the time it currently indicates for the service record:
3:54
